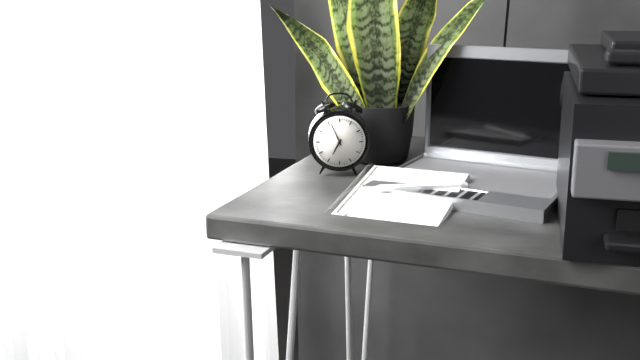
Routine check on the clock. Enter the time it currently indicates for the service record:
6:56
